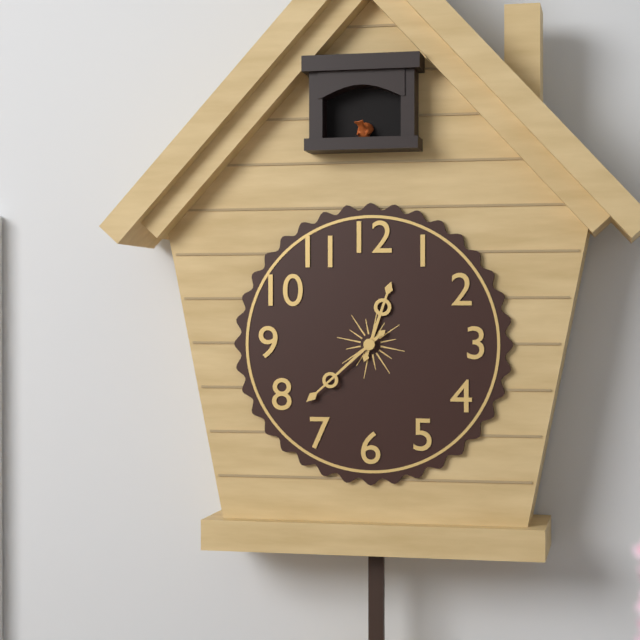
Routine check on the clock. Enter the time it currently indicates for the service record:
12:38
